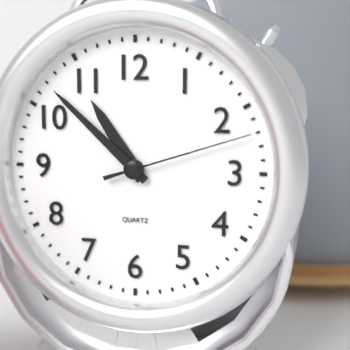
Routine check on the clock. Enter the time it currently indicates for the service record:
10:52:12
